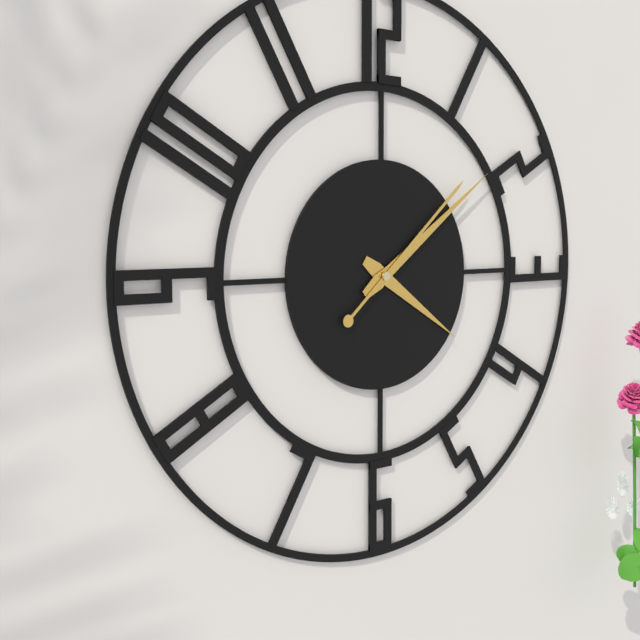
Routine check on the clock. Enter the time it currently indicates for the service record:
4:09:08
